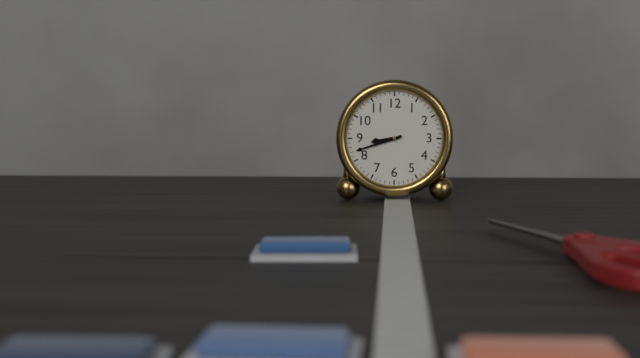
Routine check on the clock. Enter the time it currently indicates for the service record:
8:42
